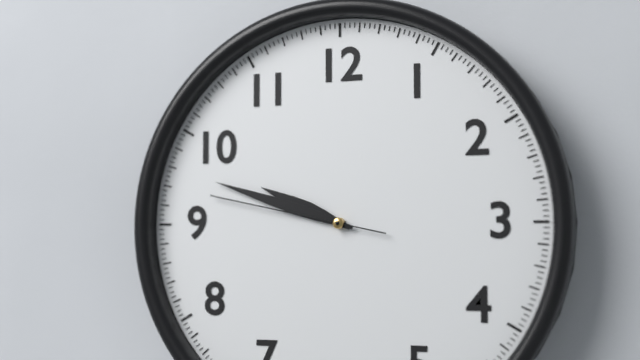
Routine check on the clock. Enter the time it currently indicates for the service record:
9:48:47
